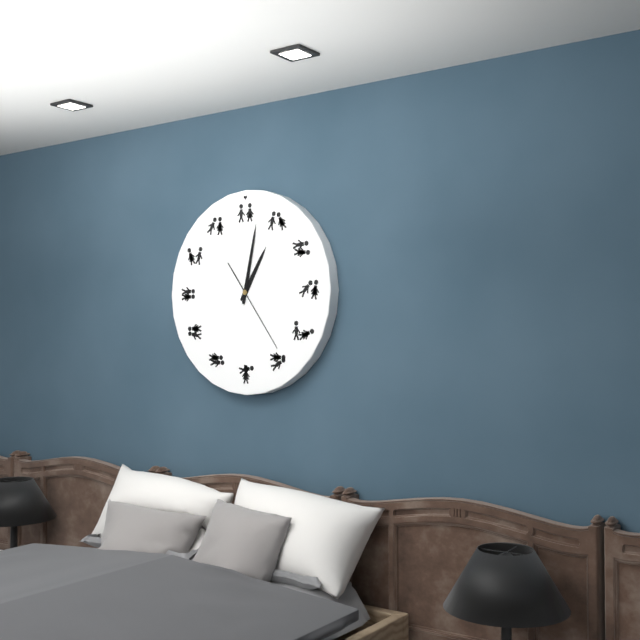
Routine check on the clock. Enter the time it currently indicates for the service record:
1:02:24
